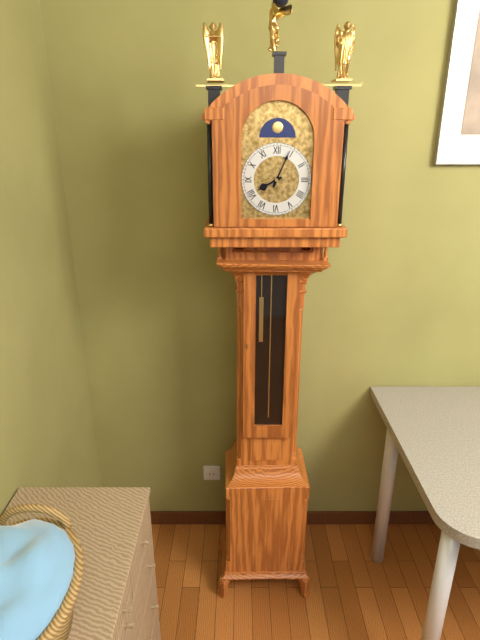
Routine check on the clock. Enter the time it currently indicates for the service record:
8:04
